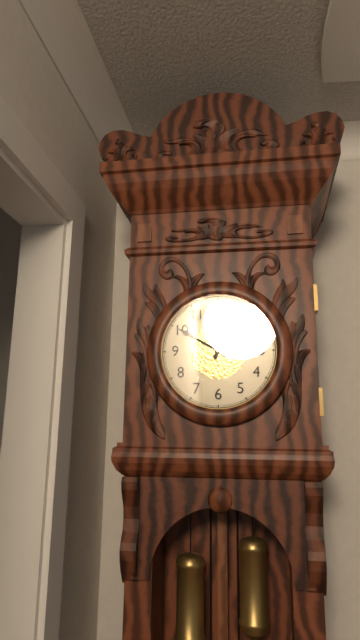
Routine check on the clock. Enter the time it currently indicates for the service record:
12:50
